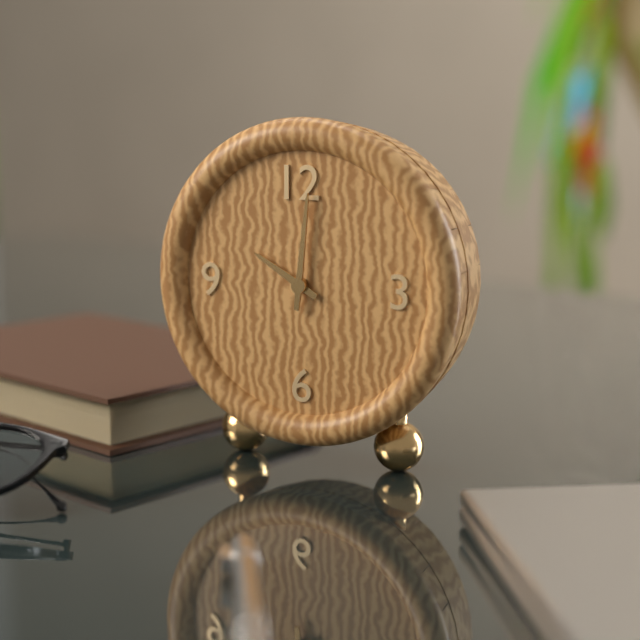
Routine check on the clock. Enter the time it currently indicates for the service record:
10:01
